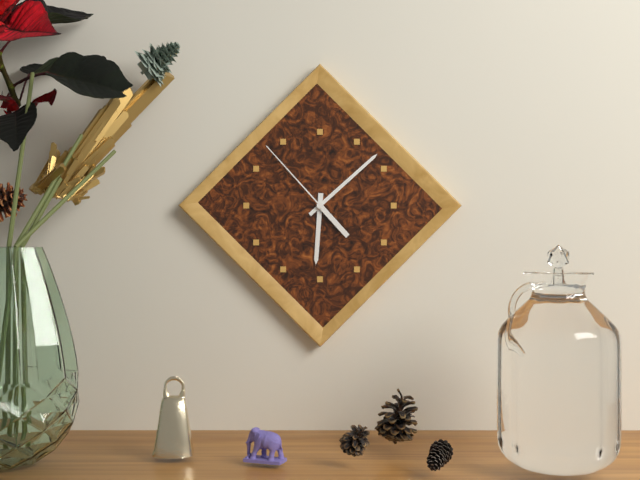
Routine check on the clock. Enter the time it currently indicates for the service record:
6:08:53
